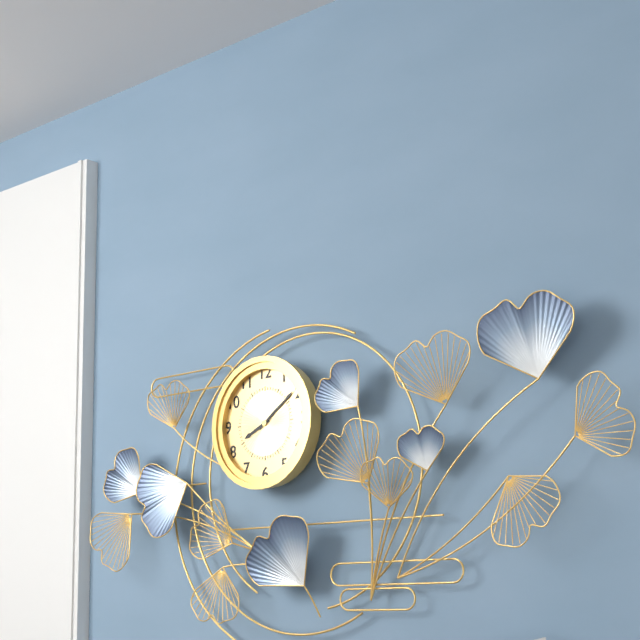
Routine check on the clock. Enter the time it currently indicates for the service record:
8:09
